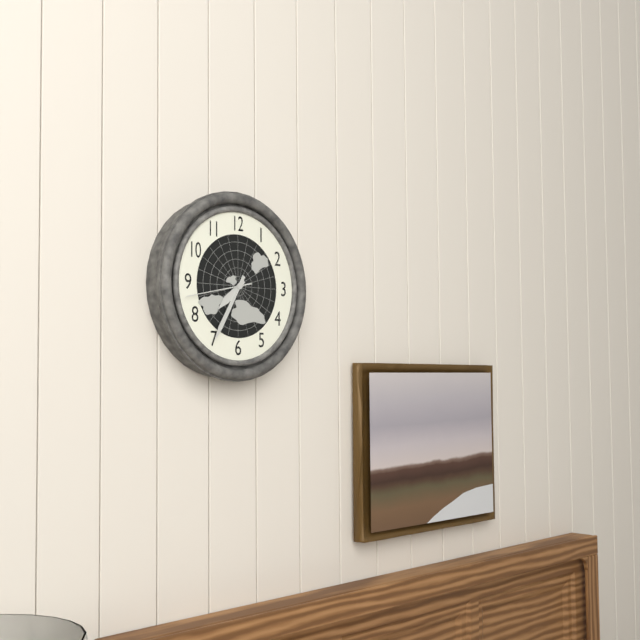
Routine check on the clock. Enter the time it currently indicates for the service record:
7:35:43
